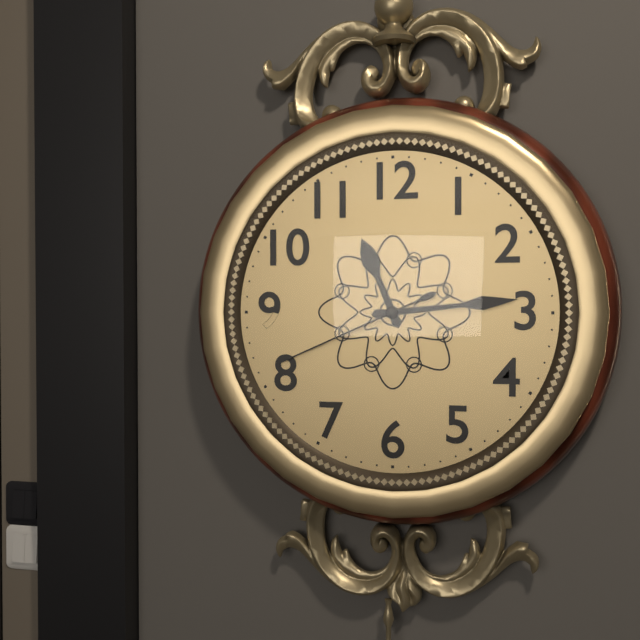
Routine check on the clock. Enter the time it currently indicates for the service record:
11:14:41
